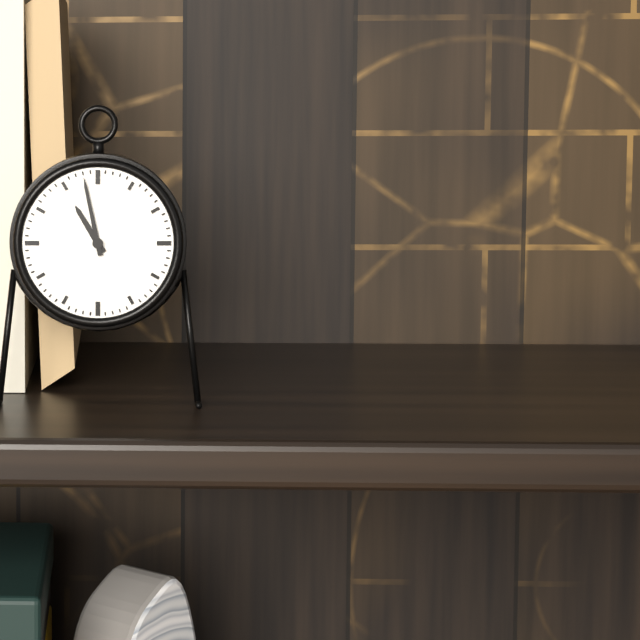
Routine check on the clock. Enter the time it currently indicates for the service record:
10:58
